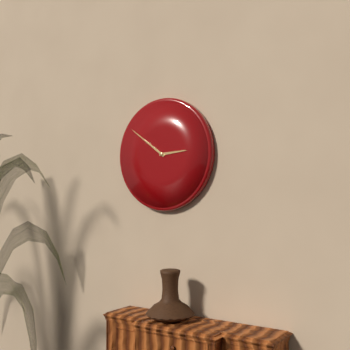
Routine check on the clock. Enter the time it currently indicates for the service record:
2:51
